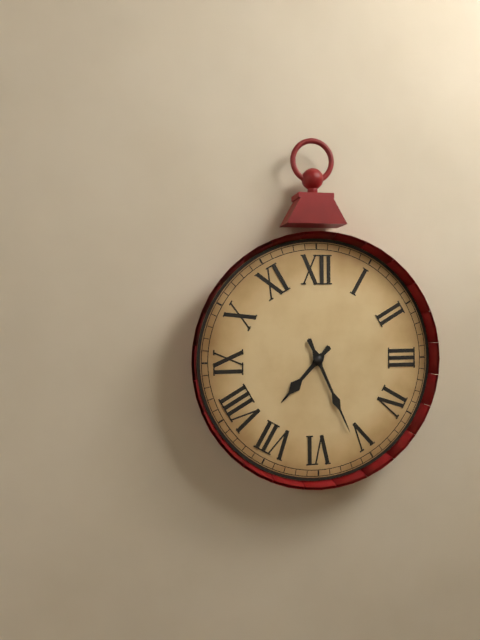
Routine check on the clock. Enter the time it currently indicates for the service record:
7:26
